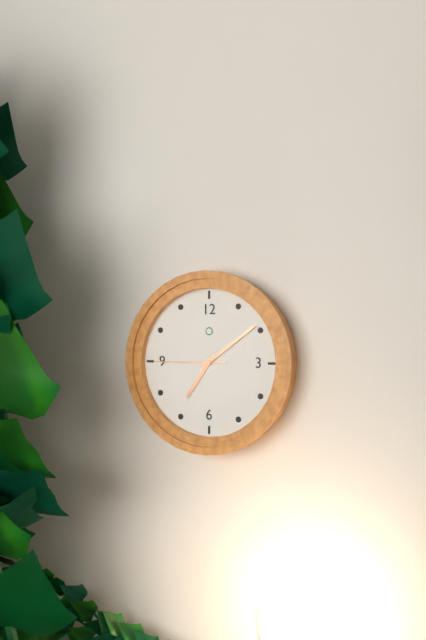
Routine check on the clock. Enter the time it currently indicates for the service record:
7:09:45
